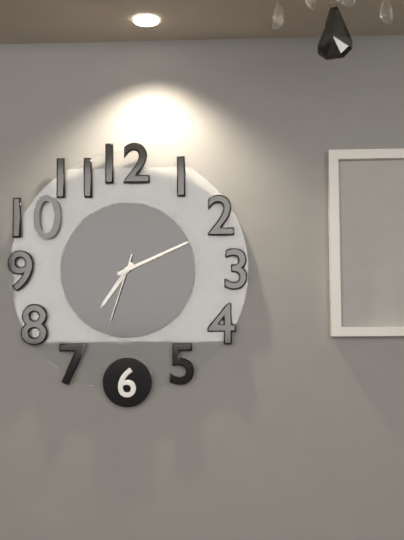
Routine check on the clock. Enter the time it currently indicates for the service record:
7:11:33
